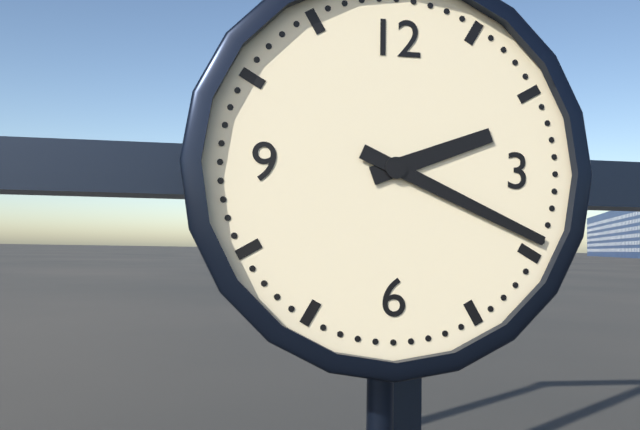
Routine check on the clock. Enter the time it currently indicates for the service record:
2:19
